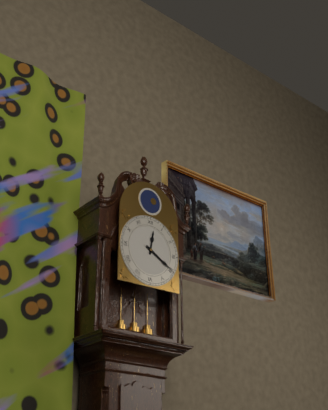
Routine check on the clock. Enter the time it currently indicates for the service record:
12:20
